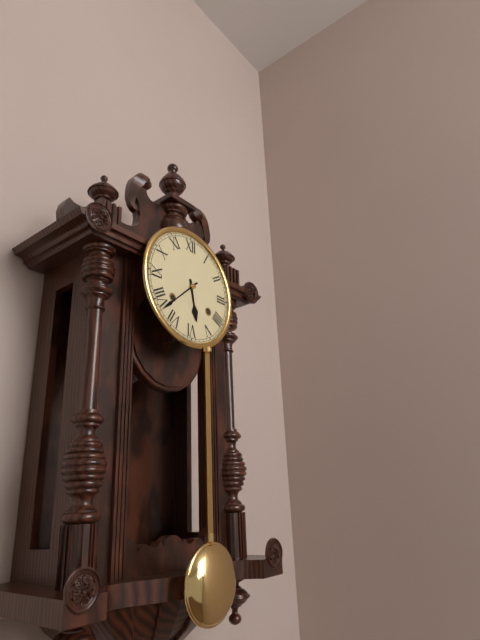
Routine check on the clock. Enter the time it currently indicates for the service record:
5:38
